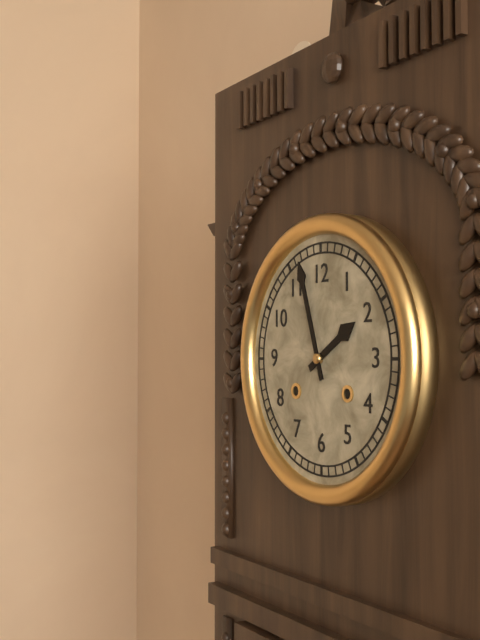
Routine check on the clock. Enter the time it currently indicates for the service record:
1:57
